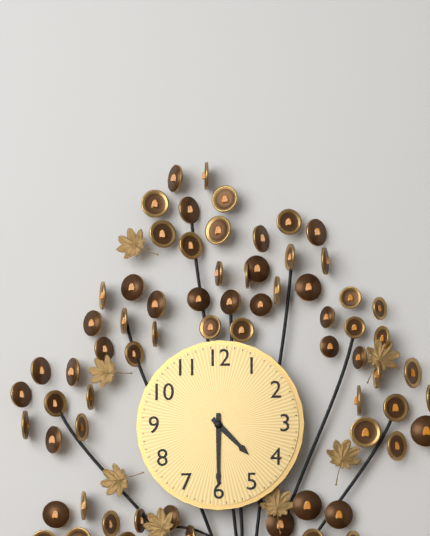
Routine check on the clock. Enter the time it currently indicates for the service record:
4:30
